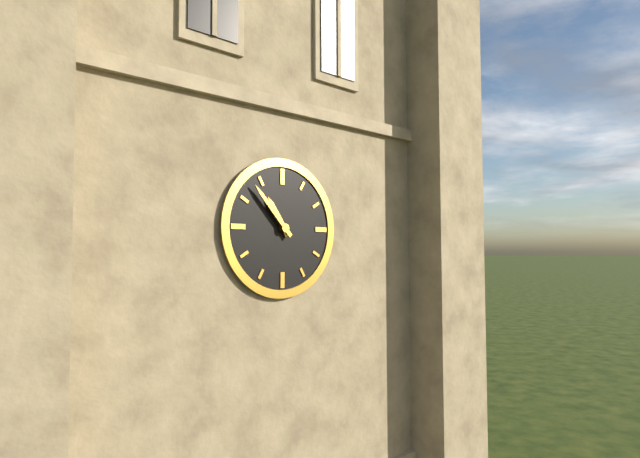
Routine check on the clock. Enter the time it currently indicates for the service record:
10:53
